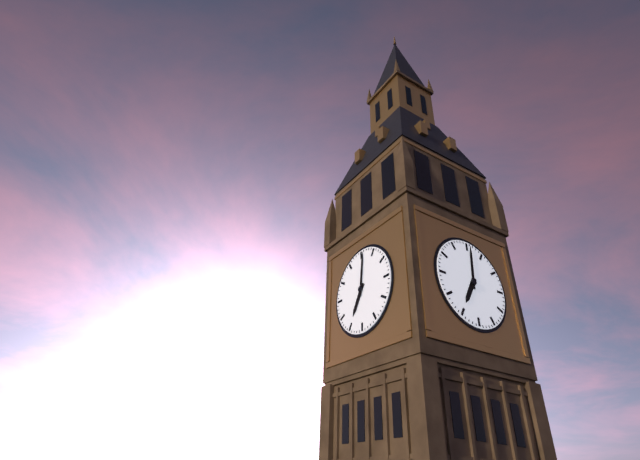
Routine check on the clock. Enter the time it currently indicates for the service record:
7:01
